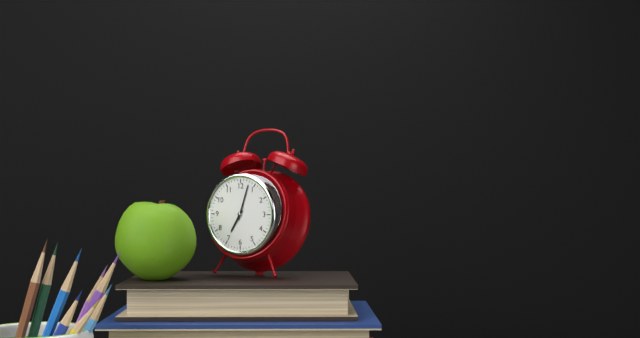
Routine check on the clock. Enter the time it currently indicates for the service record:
7:03
